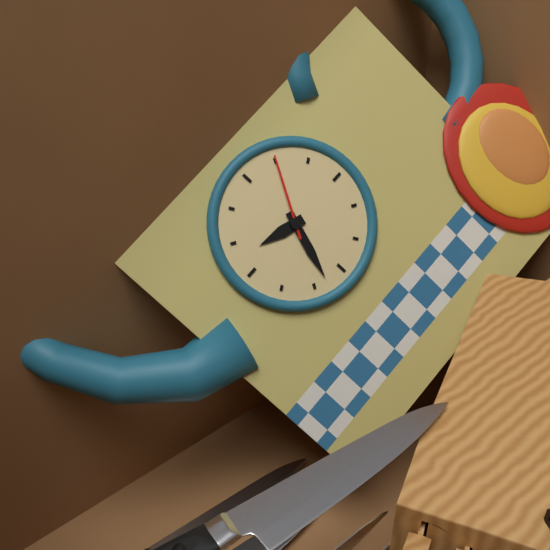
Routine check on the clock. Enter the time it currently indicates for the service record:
9:33:05
